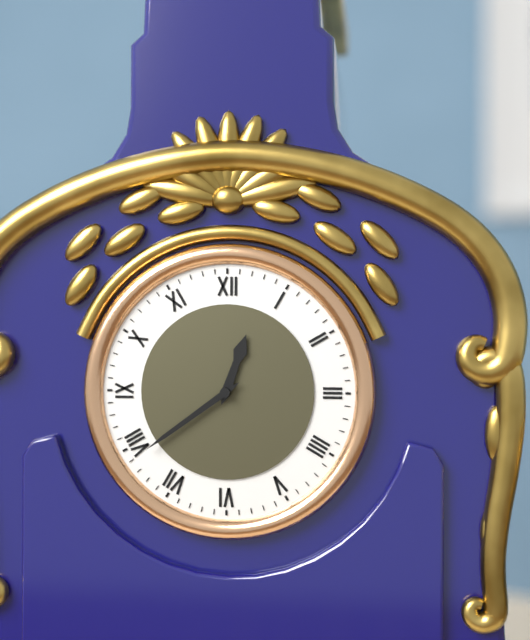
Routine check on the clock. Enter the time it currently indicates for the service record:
12:39
